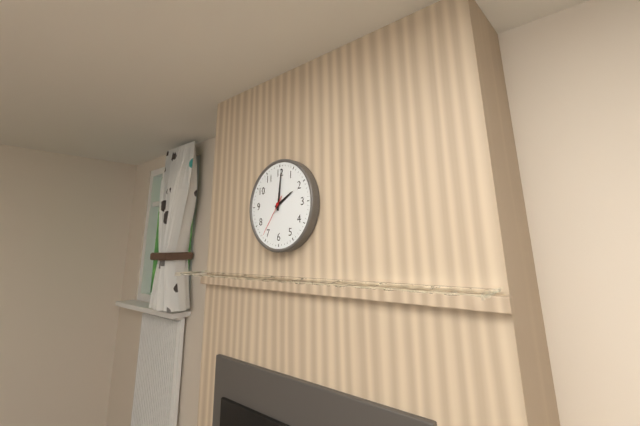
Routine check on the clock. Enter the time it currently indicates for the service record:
2:01
